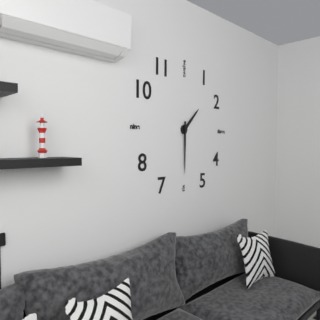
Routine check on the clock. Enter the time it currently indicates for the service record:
1:30
